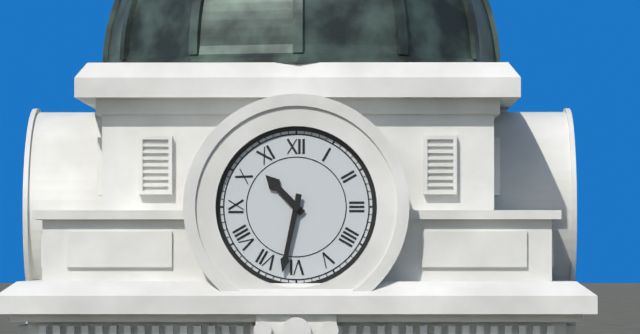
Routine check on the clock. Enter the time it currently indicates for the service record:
10:32
